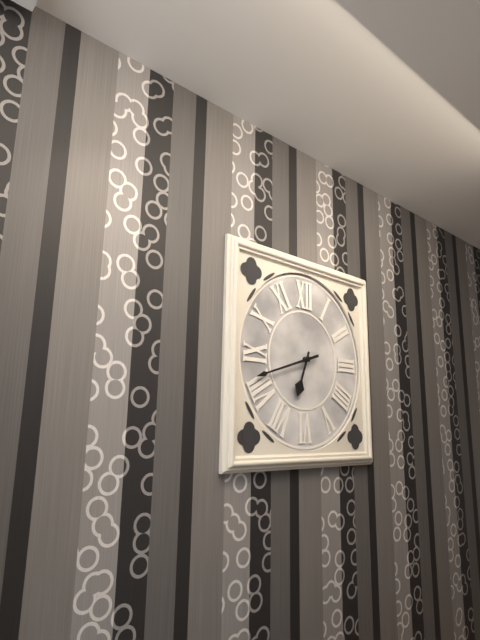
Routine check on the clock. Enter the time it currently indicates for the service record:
6:42
